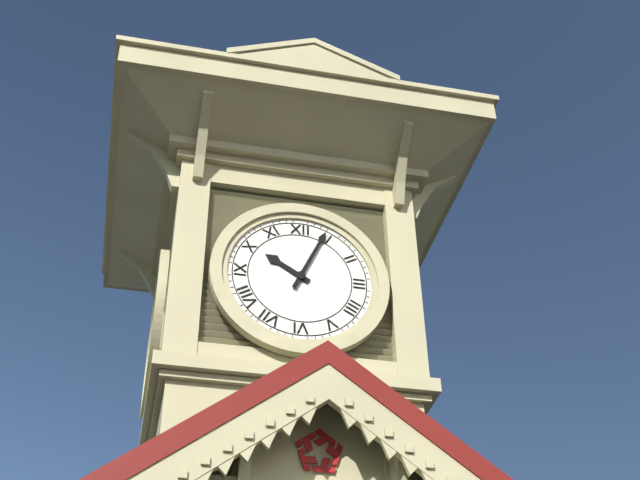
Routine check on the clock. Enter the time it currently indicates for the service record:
10:04
